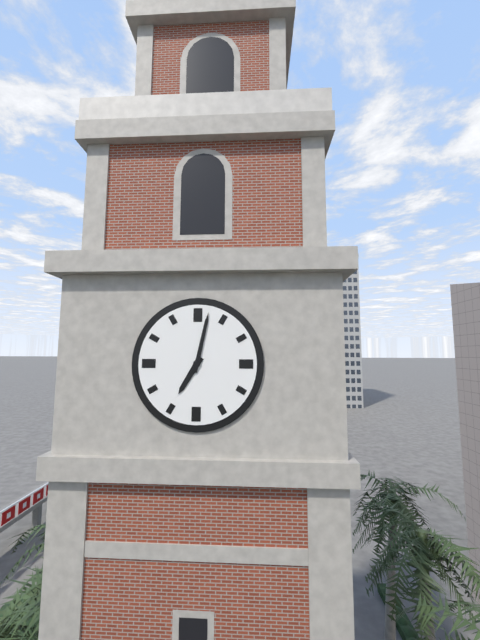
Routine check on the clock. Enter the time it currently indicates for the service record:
7:02
